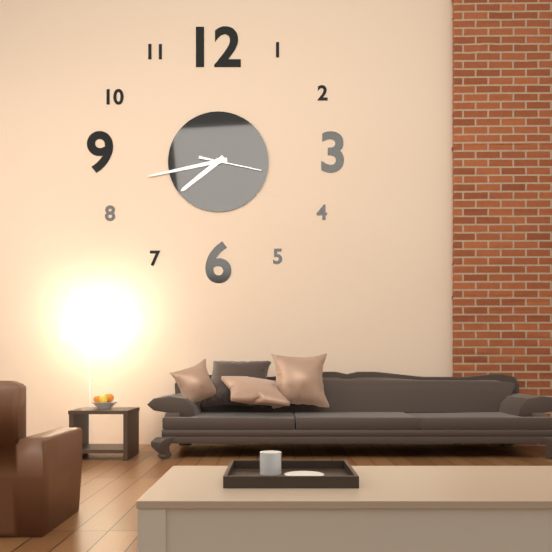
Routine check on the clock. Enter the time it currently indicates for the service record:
7:43:17
